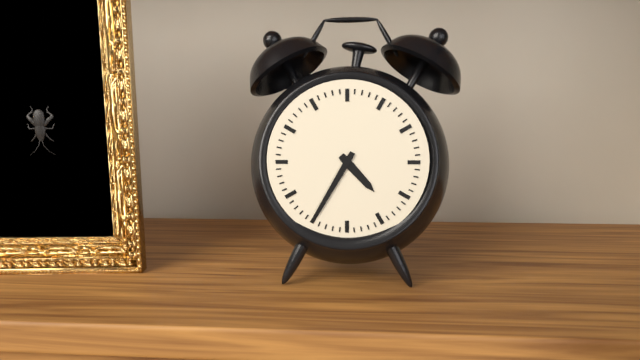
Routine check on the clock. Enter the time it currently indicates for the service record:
4:35
